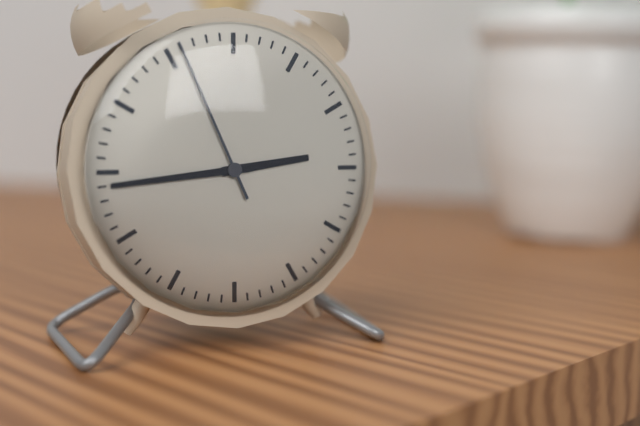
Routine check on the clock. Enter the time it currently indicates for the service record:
2:44:56
